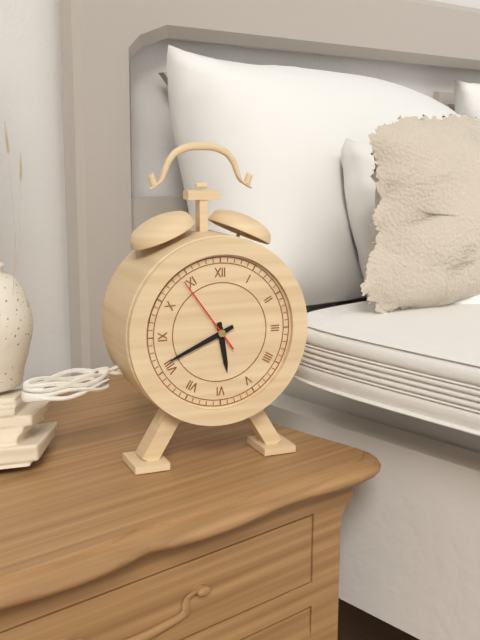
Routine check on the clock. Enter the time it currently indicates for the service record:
5:41:54
